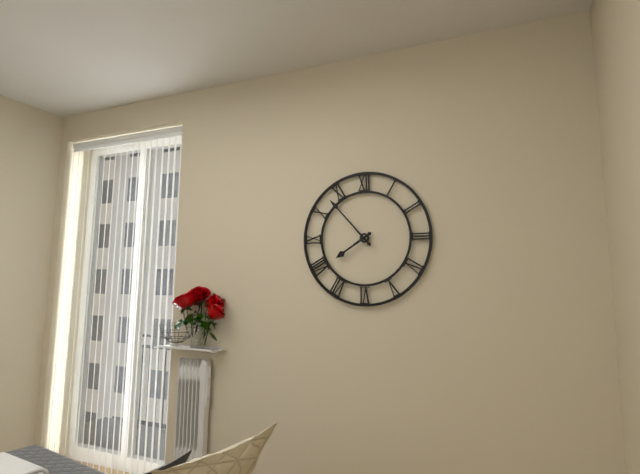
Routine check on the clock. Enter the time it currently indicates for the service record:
7:53
